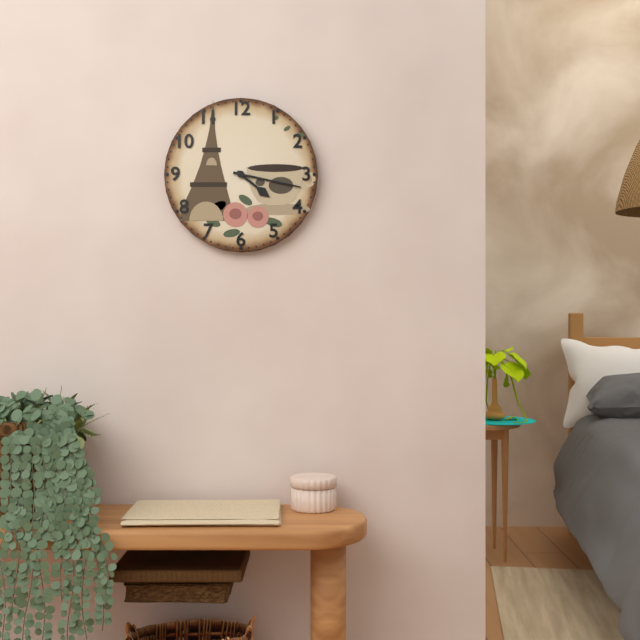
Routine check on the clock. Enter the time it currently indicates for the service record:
4:17
